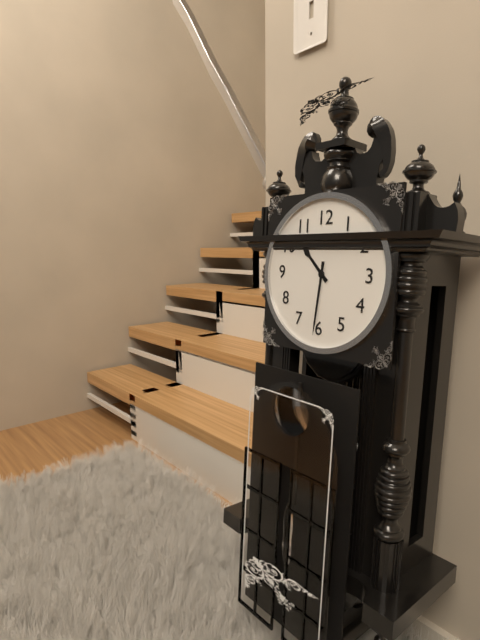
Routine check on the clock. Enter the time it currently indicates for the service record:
10:31
